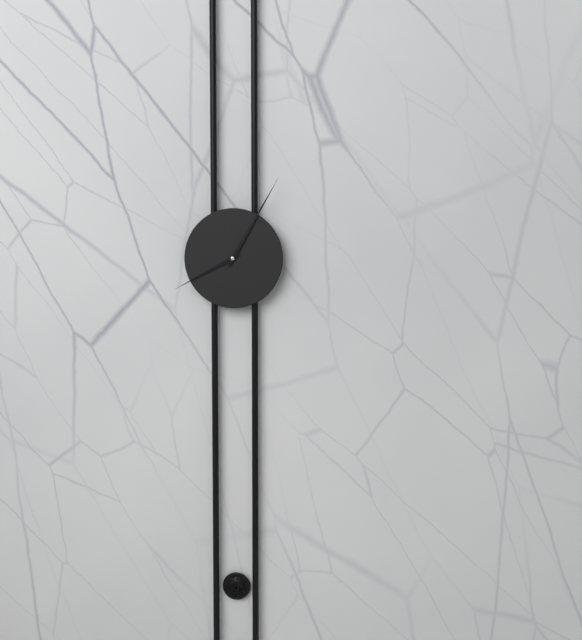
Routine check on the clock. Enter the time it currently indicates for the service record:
8:05
